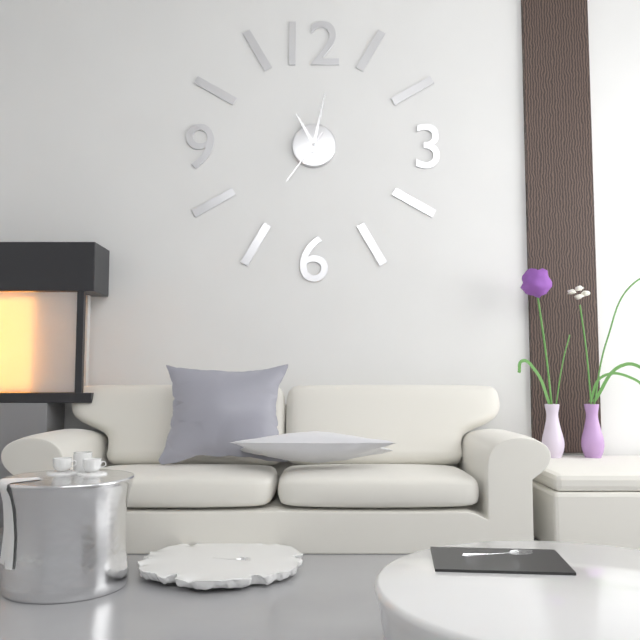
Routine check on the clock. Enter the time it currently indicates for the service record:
11:02:36
